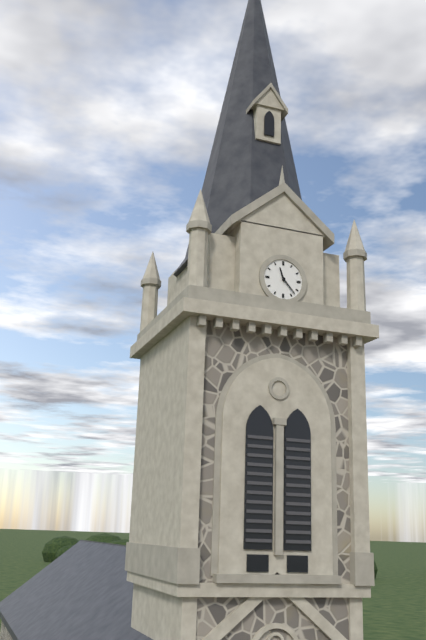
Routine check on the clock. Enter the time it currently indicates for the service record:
11:23
